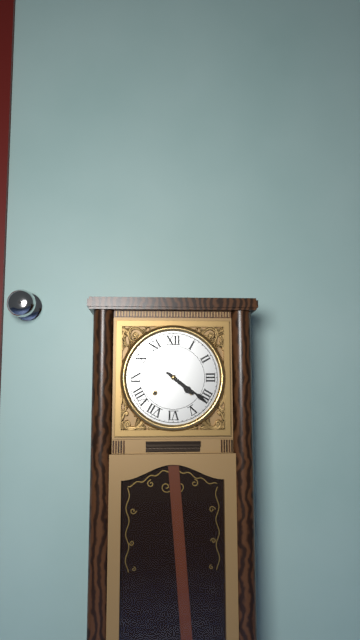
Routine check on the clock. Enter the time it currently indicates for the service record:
4:21
